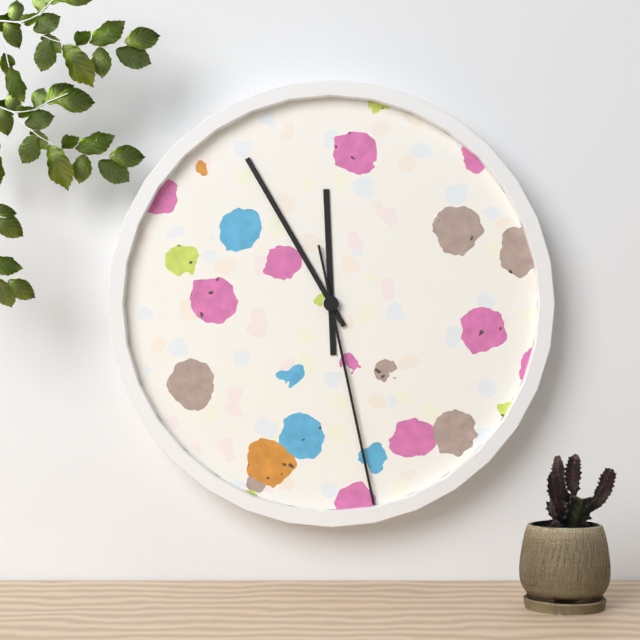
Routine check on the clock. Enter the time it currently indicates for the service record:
11:55:28
